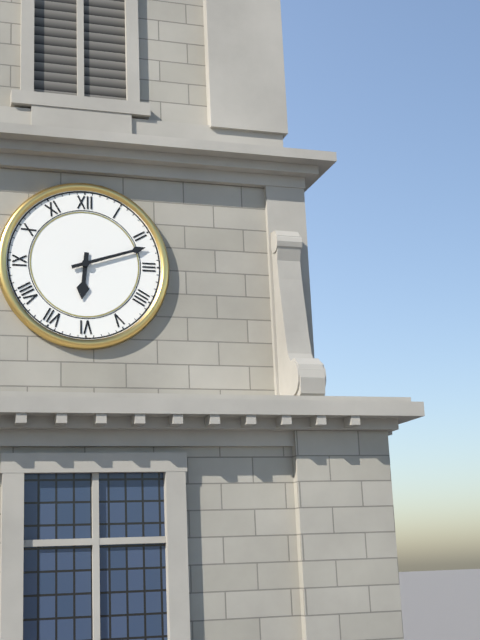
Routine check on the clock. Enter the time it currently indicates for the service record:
6:12
